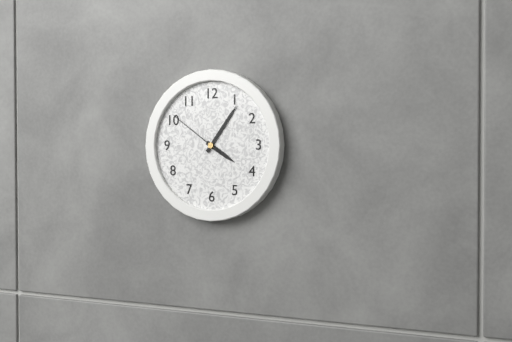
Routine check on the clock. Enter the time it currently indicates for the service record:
4:06:51
